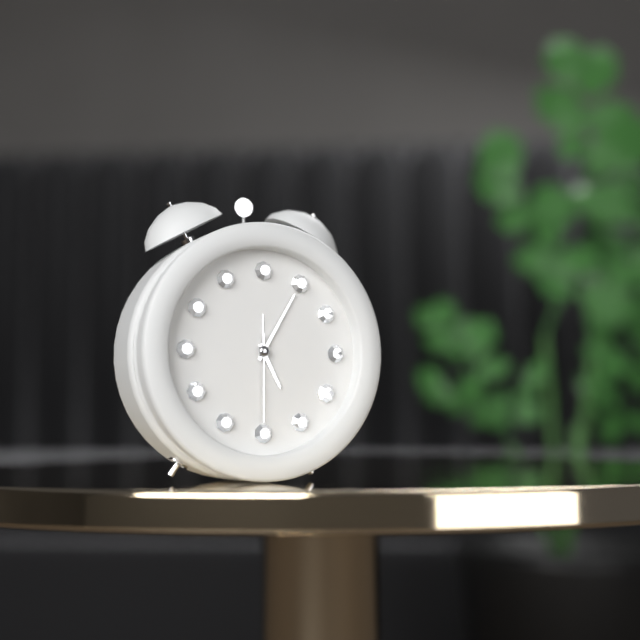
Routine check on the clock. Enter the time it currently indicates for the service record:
5:05:30
